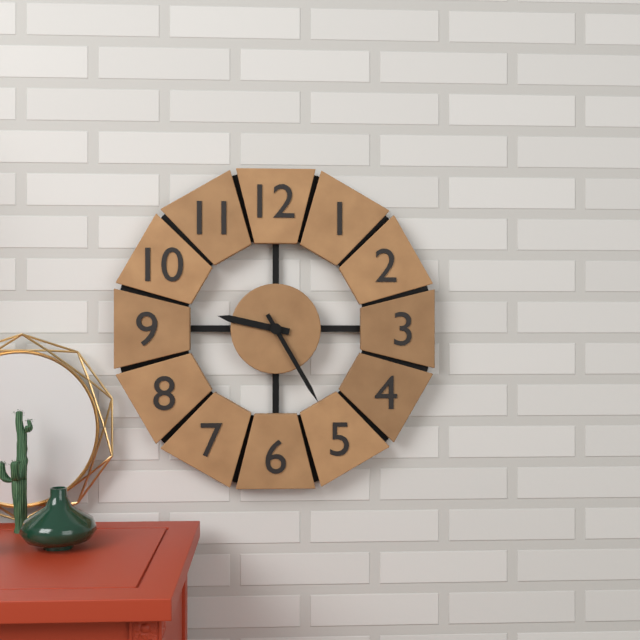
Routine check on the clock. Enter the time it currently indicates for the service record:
9:25
